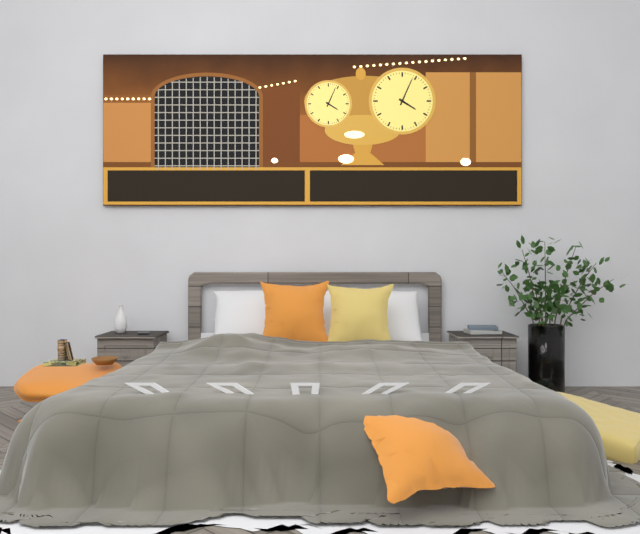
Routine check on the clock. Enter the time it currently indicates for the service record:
4:04
